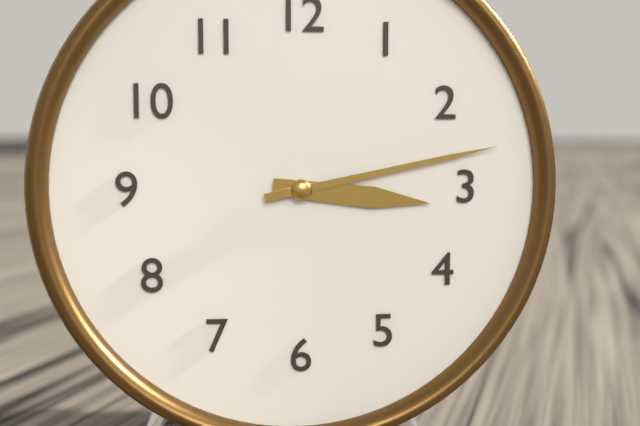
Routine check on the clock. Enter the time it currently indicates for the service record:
3:13
